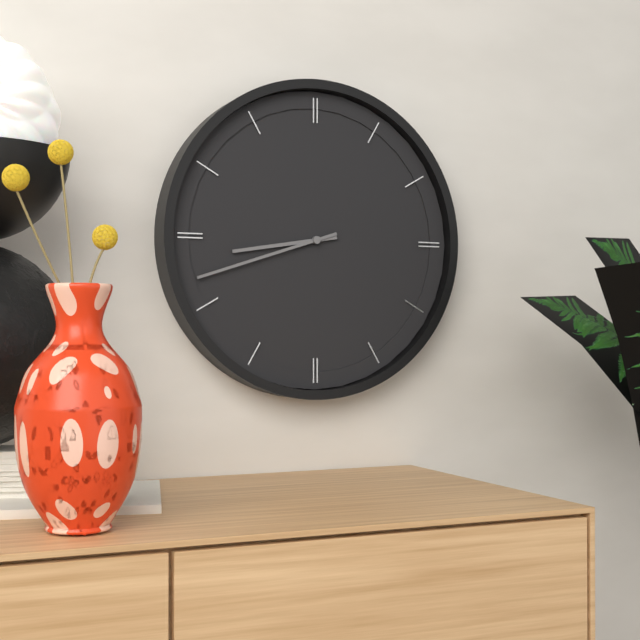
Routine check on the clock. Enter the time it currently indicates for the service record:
8:42
